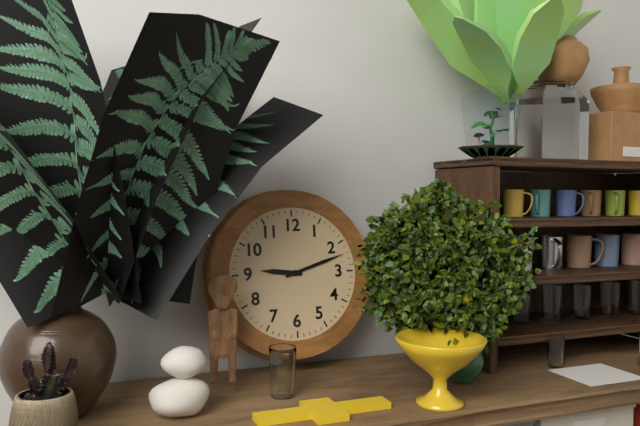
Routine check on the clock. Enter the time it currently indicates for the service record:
9:12
